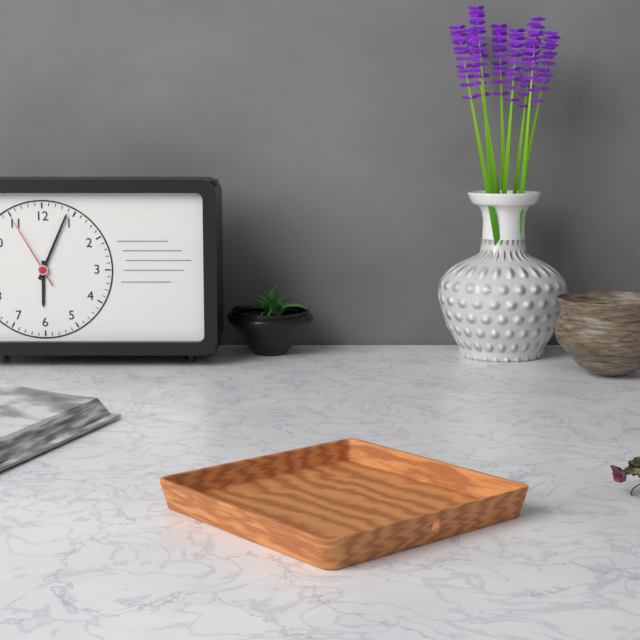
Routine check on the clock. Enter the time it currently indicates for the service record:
6:04:55
